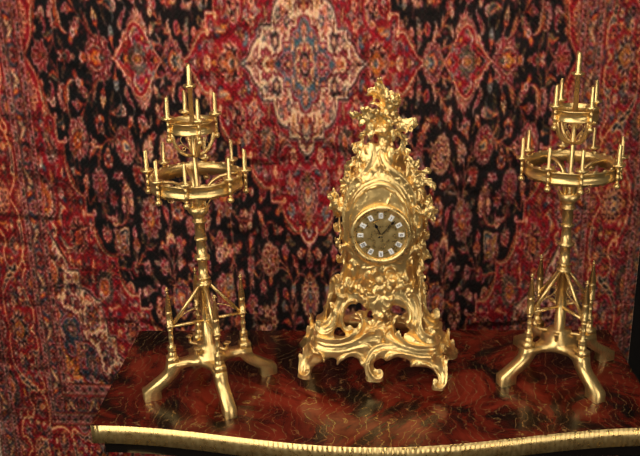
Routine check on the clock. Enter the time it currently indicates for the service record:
11:07
